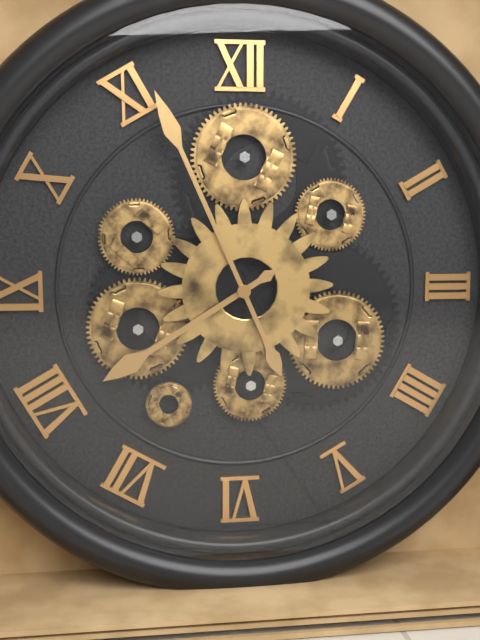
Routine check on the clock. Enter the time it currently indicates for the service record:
7:56
